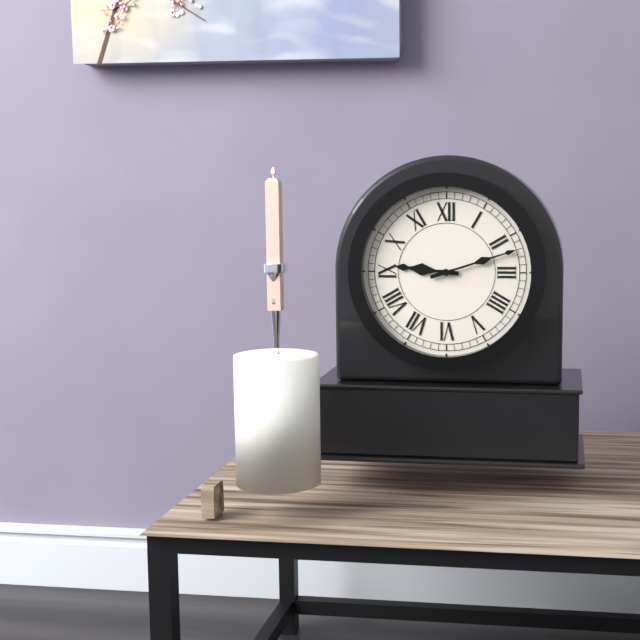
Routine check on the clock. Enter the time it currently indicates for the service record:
9:12
